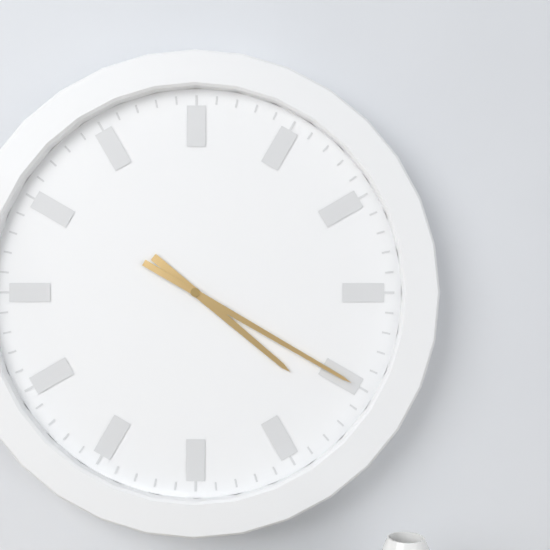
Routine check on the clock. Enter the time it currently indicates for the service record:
4:20
